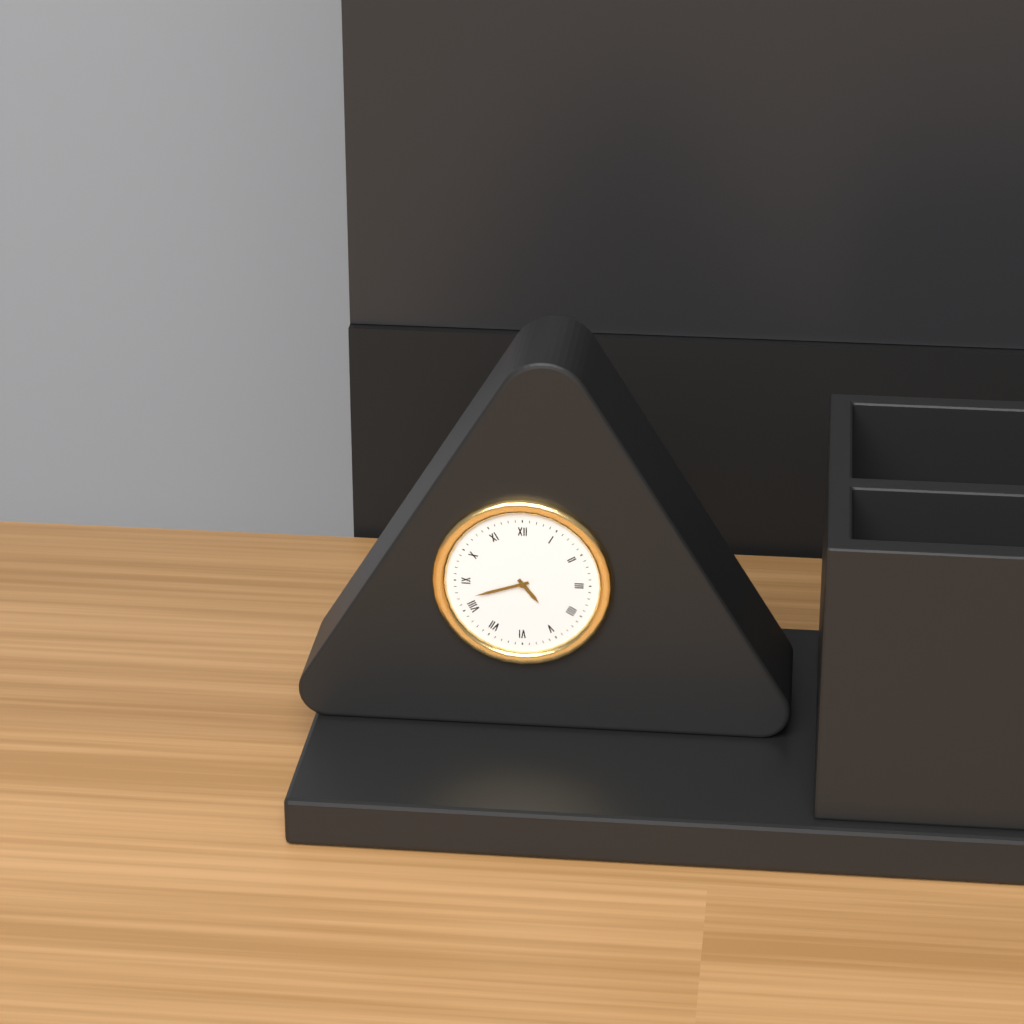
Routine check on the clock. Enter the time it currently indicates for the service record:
4:42
